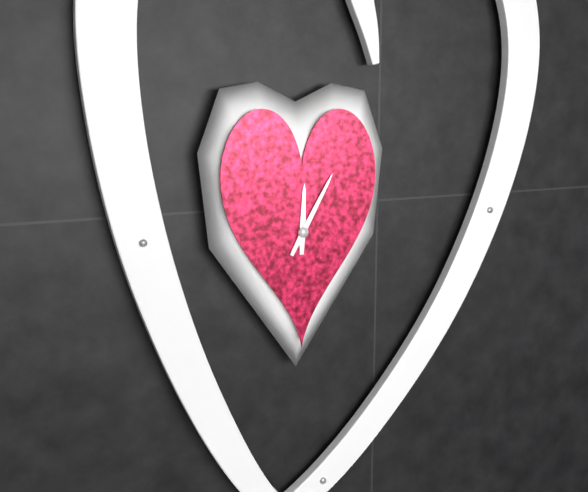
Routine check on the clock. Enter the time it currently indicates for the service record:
12:05
